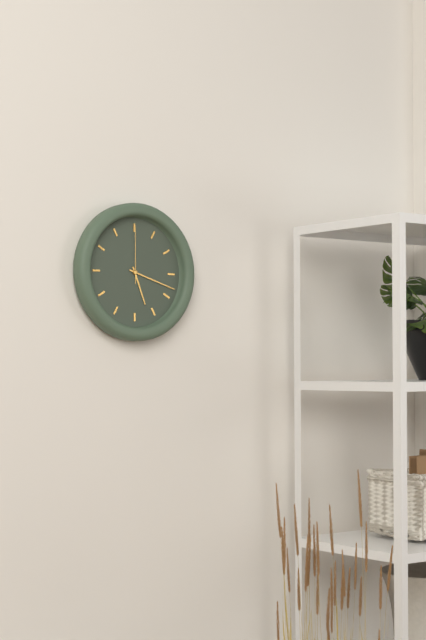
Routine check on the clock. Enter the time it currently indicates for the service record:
5:18:00
